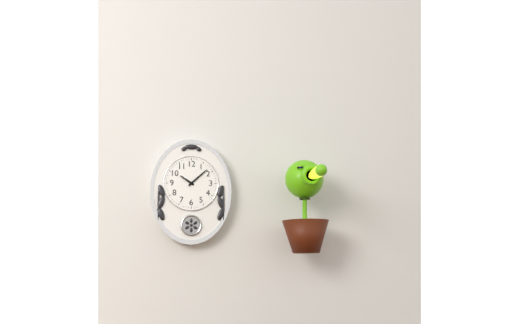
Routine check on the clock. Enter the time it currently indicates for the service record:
10:08
